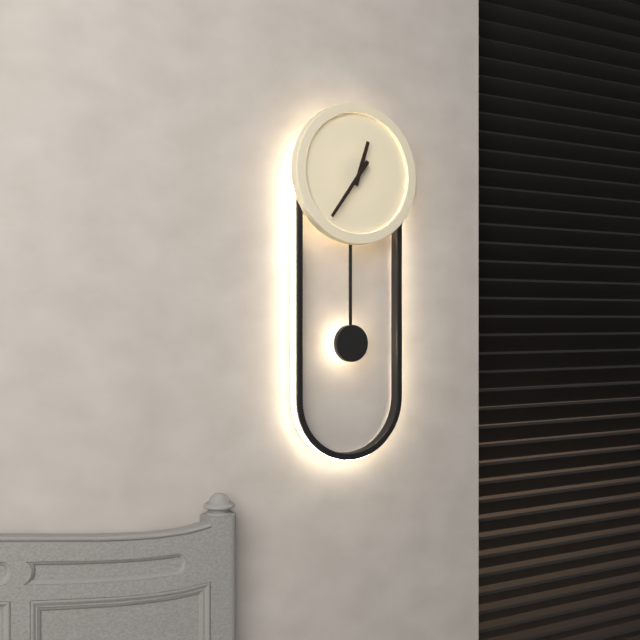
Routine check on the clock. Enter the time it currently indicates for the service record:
12:36
